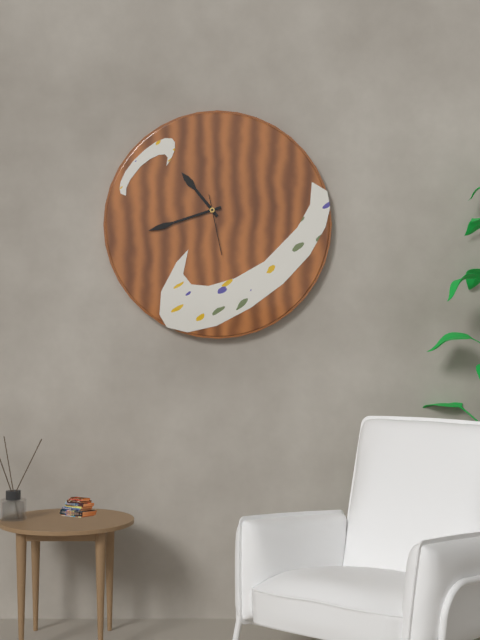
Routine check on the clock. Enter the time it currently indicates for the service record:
10:42:28
